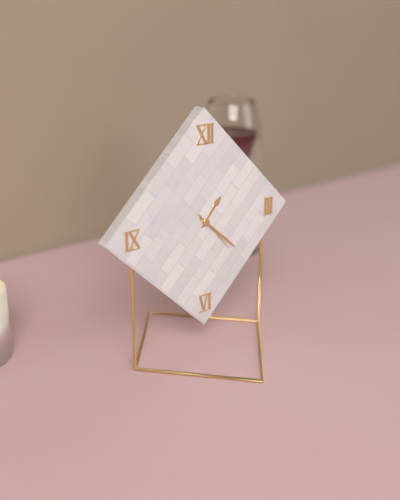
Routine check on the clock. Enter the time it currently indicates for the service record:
1:22
